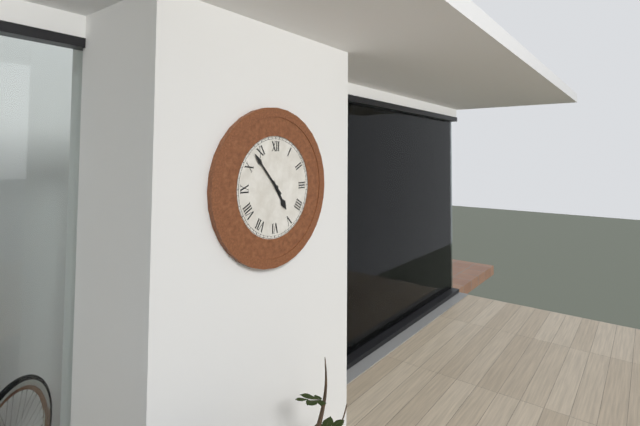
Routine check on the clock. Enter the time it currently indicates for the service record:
4:53
